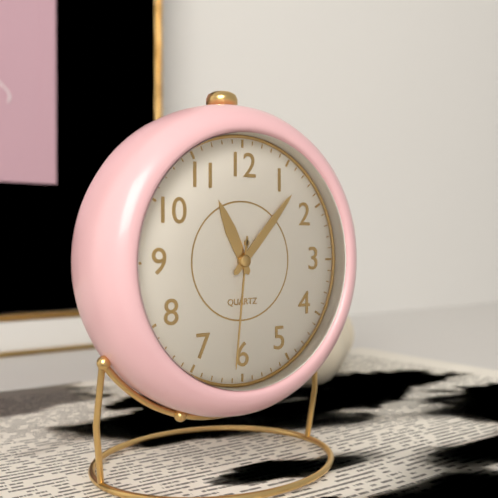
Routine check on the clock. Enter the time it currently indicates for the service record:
11:07:31
